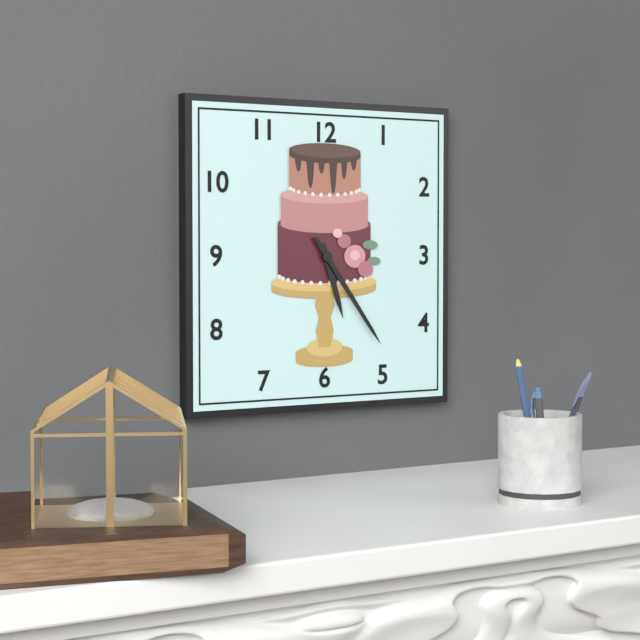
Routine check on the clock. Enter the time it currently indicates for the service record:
5:24
